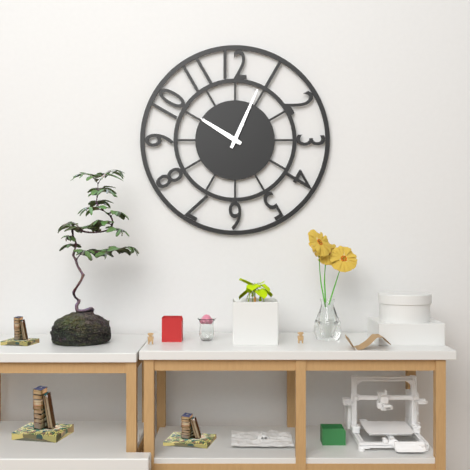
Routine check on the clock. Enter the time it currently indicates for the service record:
10:04
